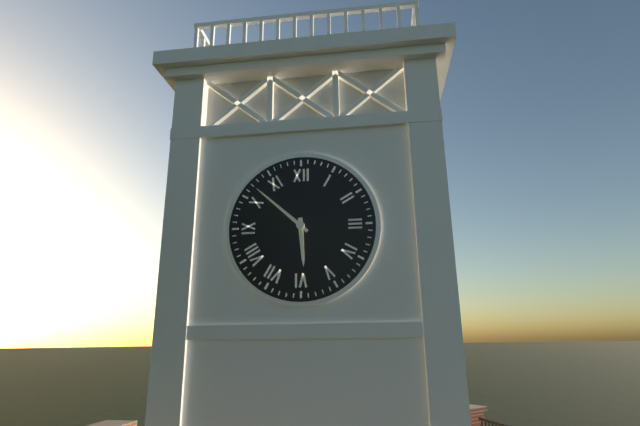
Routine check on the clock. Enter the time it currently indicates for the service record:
5:52
